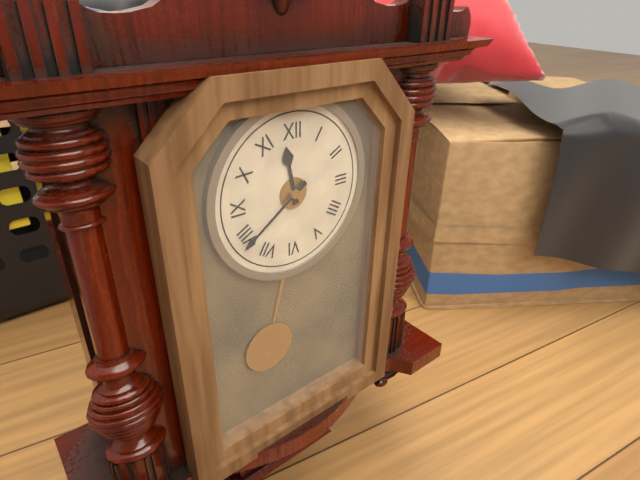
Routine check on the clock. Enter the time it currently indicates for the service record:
11:39
